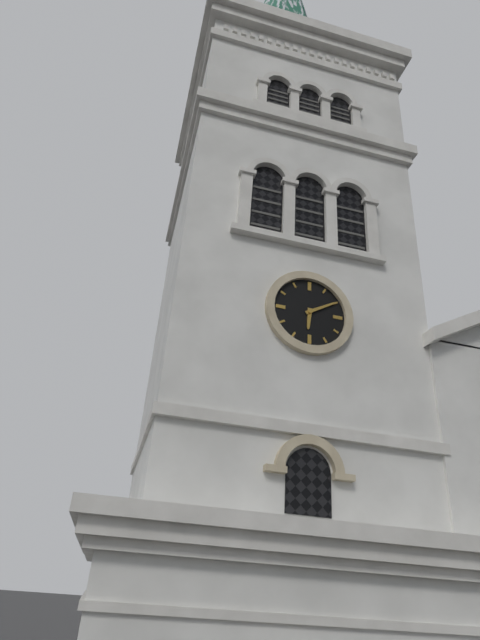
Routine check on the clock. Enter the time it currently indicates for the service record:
6:10
